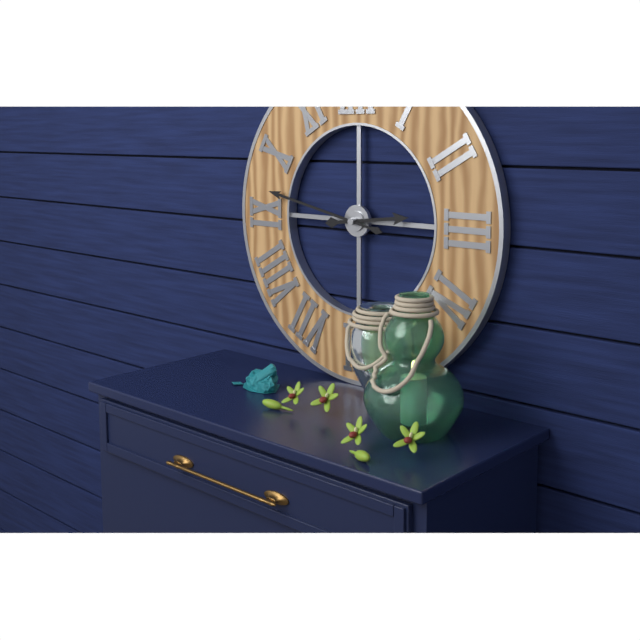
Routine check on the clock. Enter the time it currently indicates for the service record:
2:47
